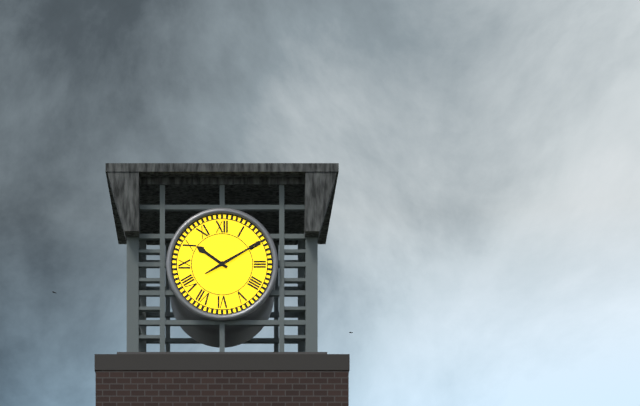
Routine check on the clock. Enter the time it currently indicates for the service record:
10:10
